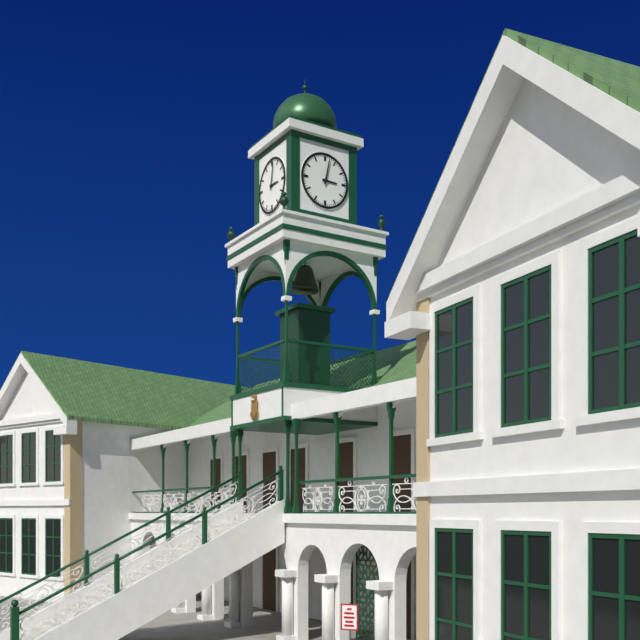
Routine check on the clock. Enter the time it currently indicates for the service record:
3:02
